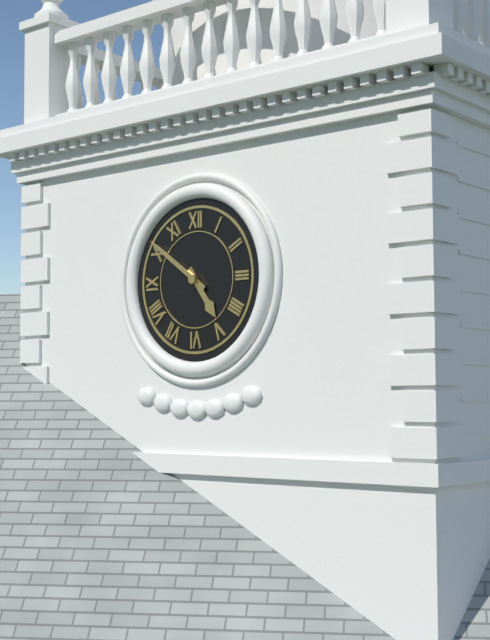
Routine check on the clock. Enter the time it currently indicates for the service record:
4:51
